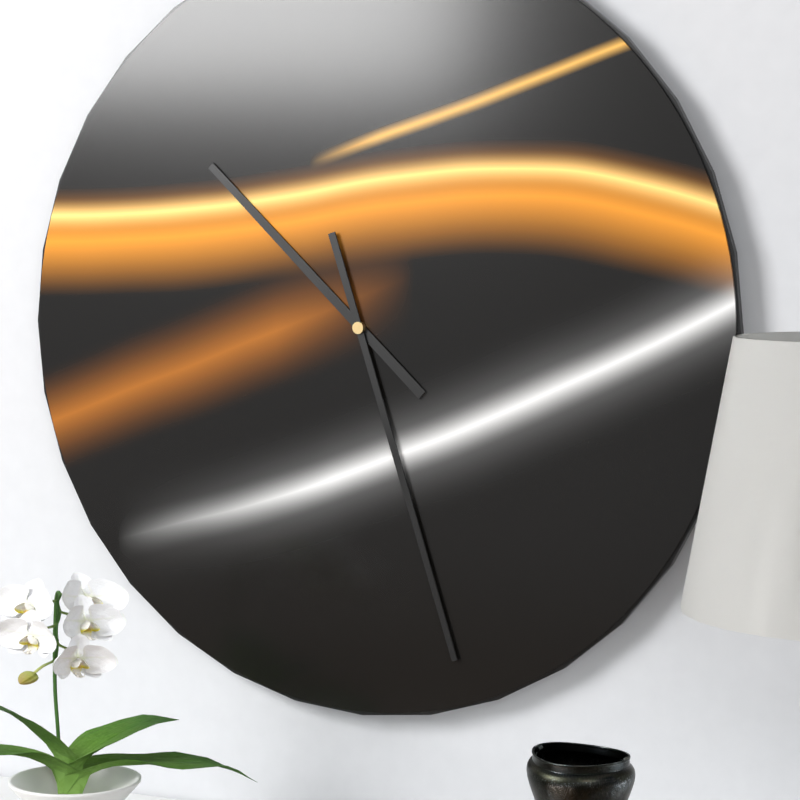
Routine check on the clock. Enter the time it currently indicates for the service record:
10:27
